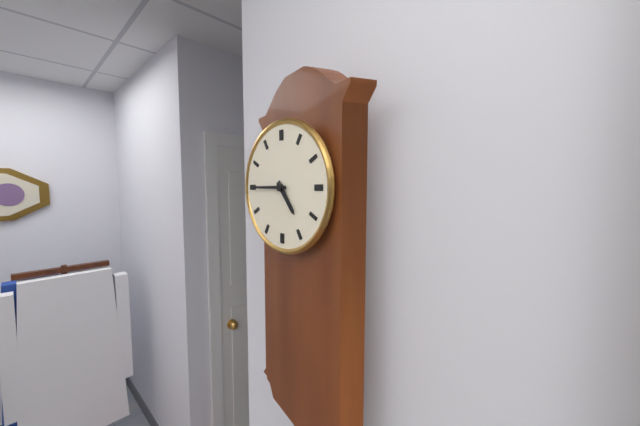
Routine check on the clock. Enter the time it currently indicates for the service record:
4:45
